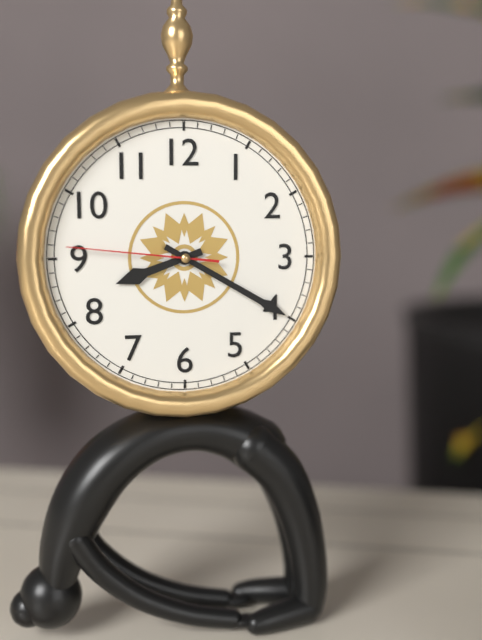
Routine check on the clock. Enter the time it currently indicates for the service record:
8:20:46
